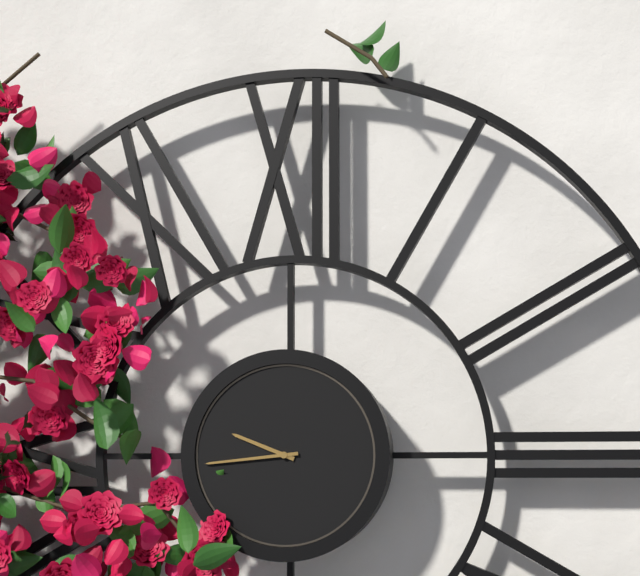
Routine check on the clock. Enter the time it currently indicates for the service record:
9:44
